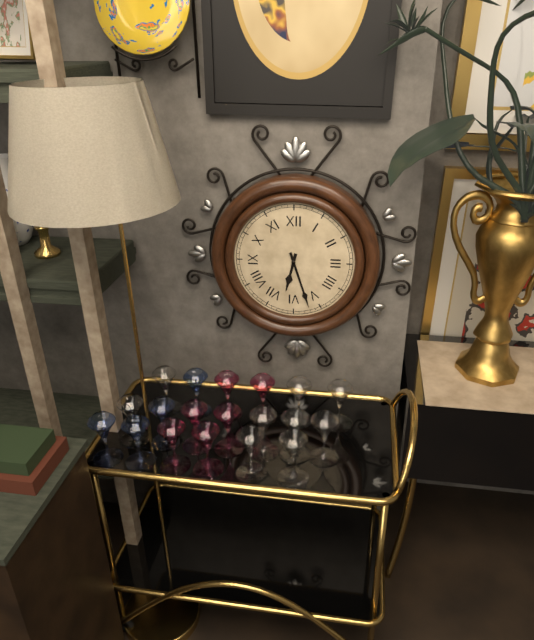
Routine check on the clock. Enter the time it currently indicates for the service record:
6:27
